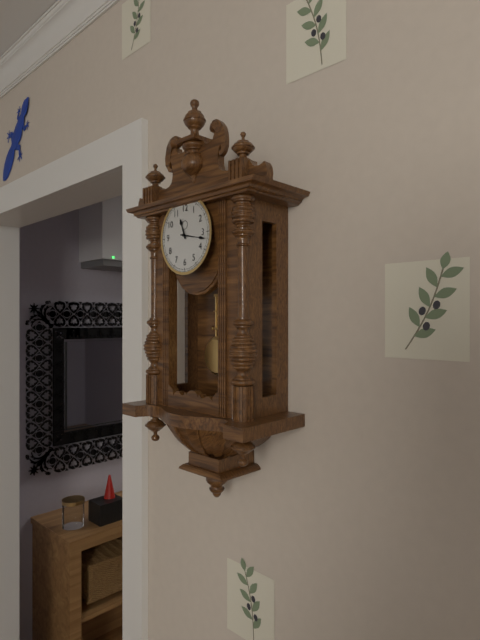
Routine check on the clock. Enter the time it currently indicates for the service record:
11:17
